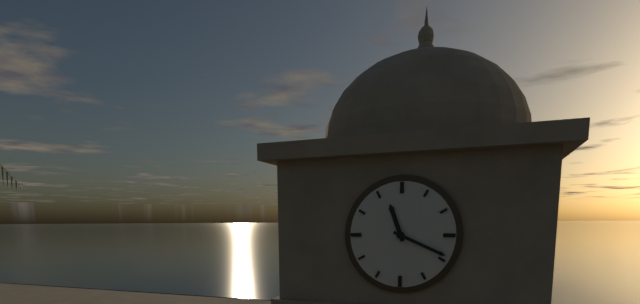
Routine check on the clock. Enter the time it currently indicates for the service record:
11:19
